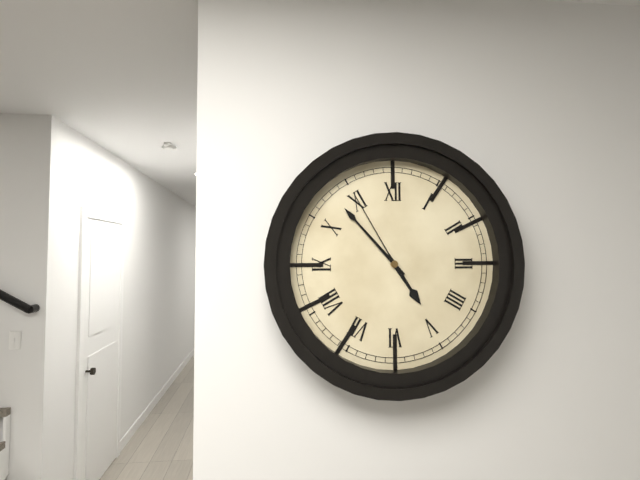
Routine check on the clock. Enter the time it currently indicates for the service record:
4:53:55
